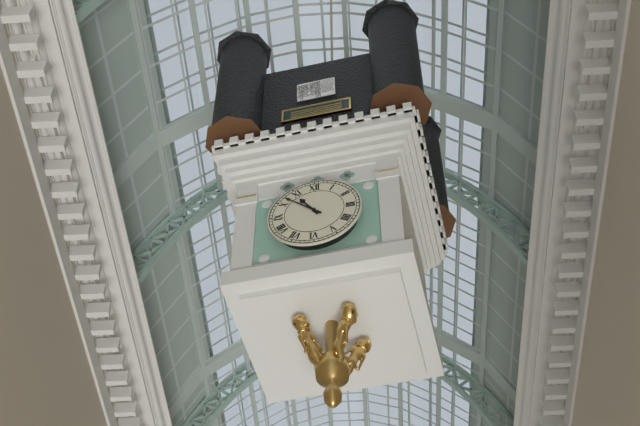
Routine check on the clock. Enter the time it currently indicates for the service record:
10:52
